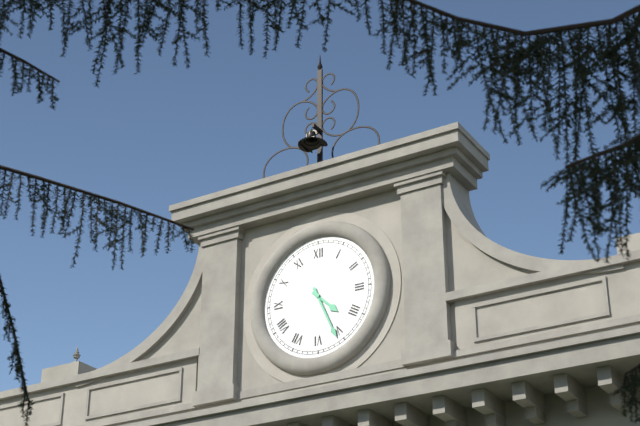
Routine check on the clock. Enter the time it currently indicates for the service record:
4:26
